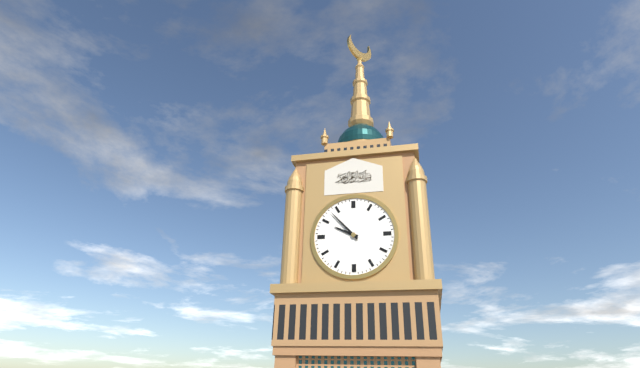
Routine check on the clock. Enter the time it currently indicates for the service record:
9:53
